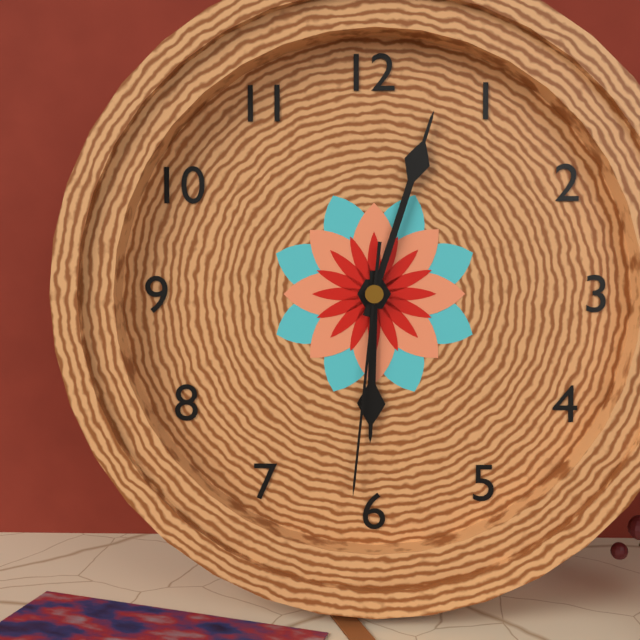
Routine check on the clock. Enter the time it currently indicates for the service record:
6:03:31
